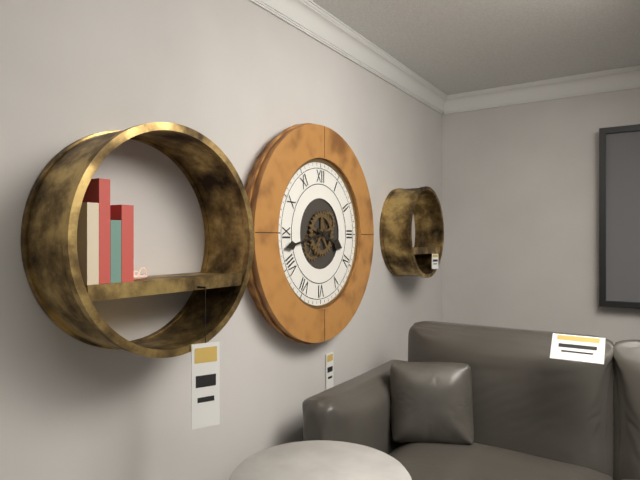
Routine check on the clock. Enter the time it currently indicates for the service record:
3:43
